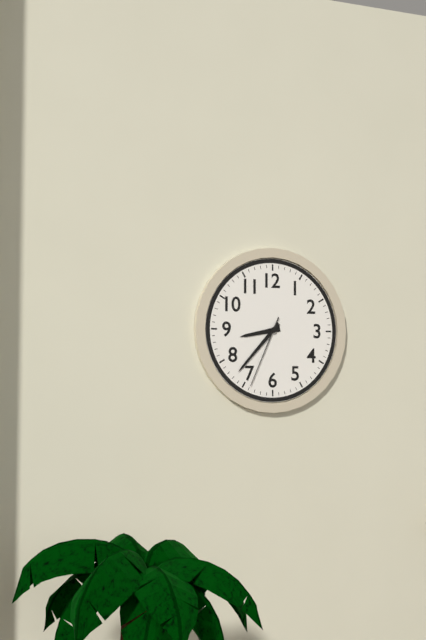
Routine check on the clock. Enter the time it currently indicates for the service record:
8:37:34
